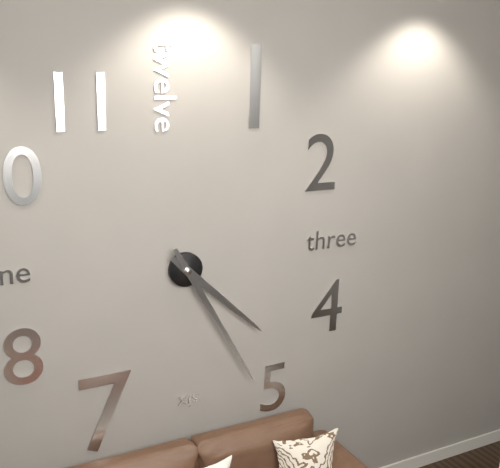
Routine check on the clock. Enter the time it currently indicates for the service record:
4:25
